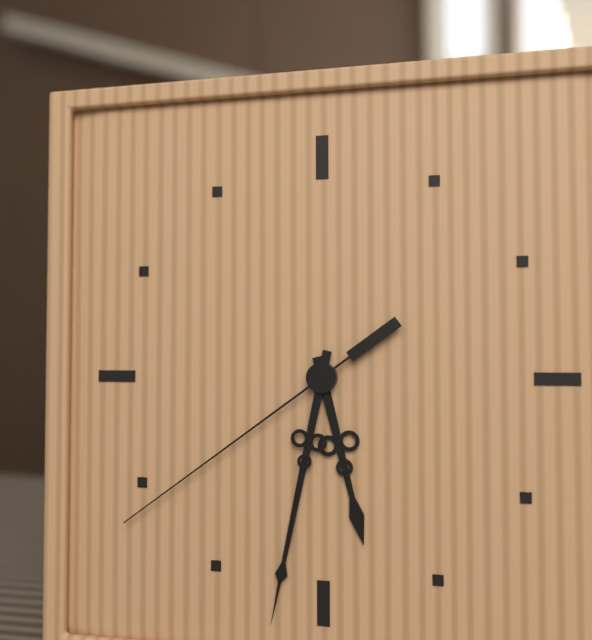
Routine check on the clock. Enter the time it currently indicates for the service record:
5:32:39
